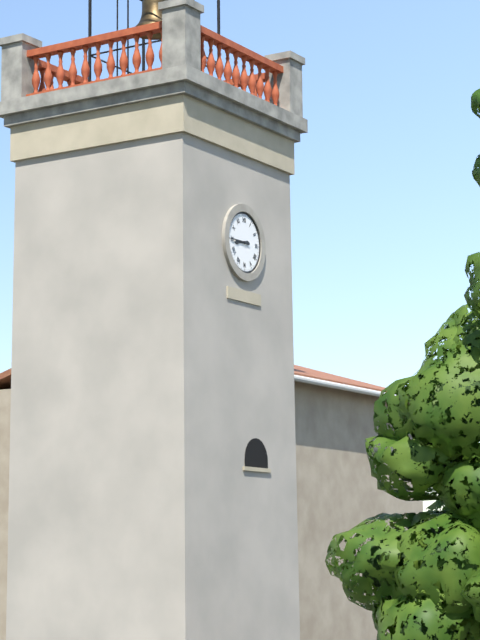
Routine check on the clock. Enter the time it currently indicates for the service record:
8:45
